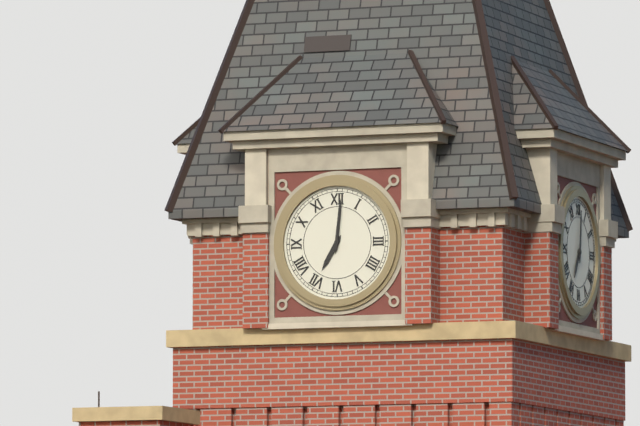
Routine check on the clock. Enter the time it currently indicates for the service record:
7:01
